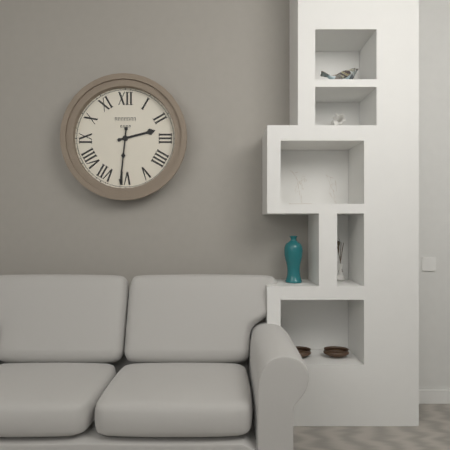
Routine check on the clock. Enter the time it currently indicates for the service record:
2:31
